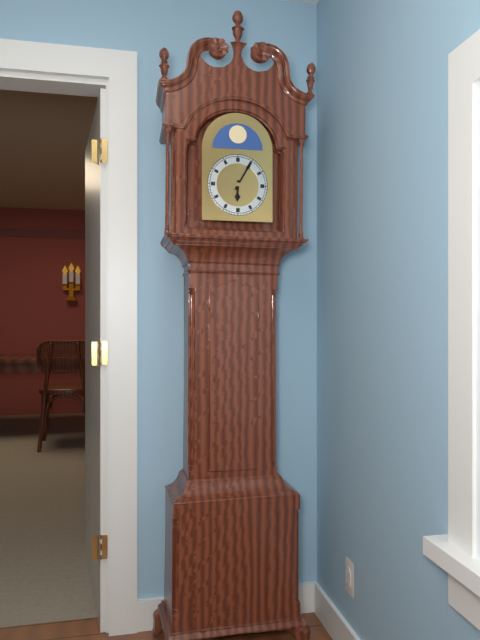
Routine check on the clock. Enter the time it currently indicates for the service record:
6:05
